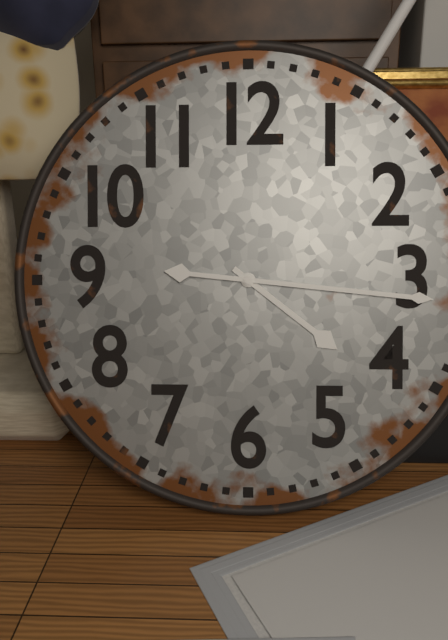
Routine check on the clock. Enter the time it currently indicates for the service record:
4:16
